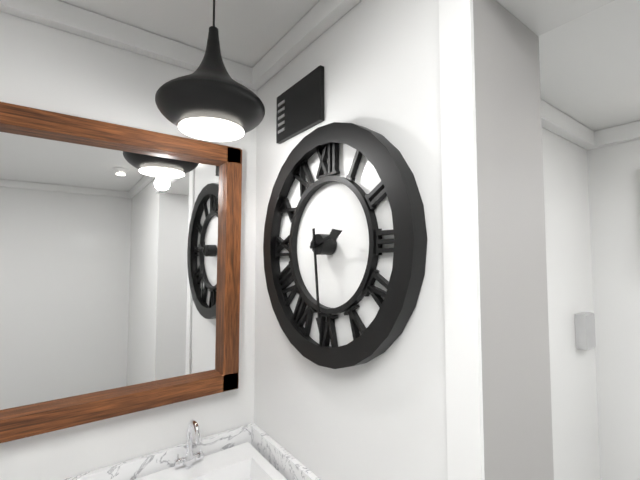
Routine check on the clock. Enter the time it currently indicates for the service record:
2:29
